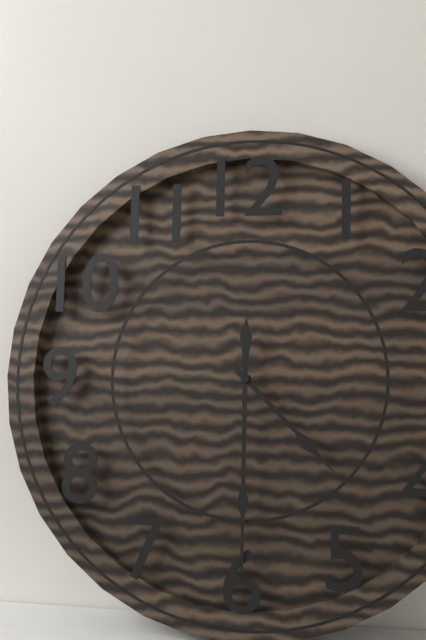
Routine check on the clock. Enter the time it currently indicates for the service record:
4:30
